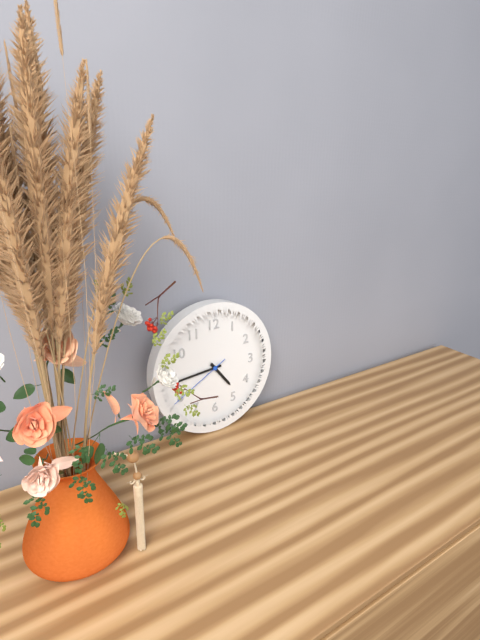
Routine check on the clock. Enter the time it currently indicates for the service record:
4:44:40
